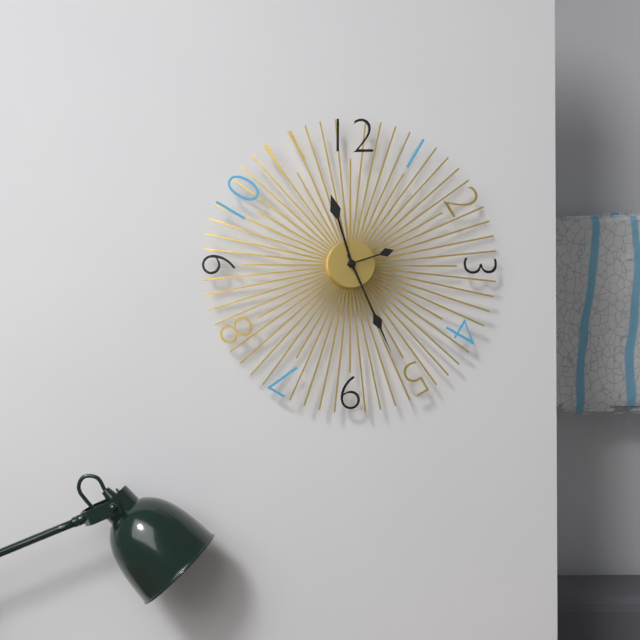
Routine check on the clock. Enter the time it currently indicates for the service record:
11:26:12
